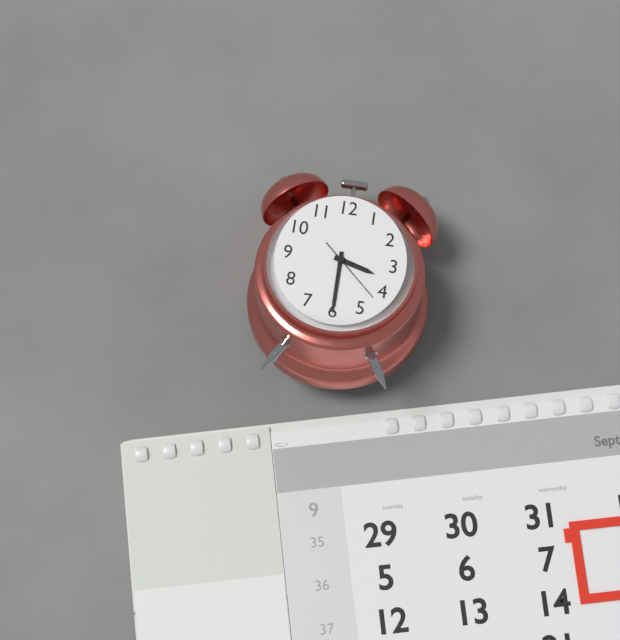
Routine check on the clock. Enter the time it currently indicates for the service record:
3:30:22
